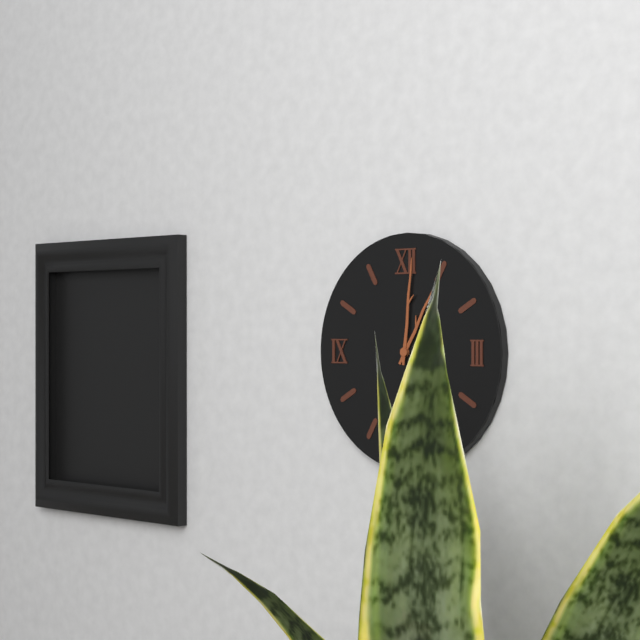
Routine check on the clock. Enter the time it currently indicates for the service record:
1:01
